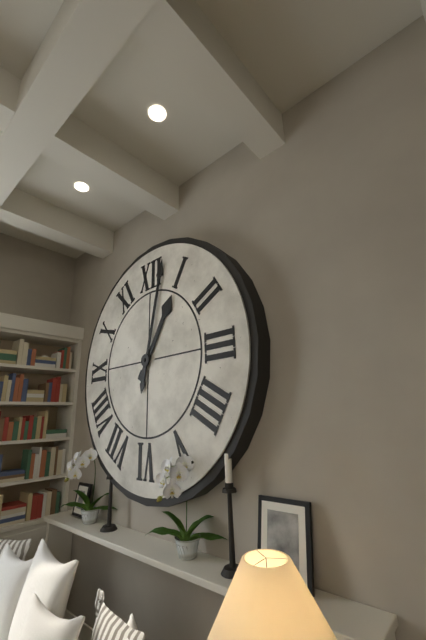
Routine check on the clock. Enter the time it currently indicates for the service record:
1:02
